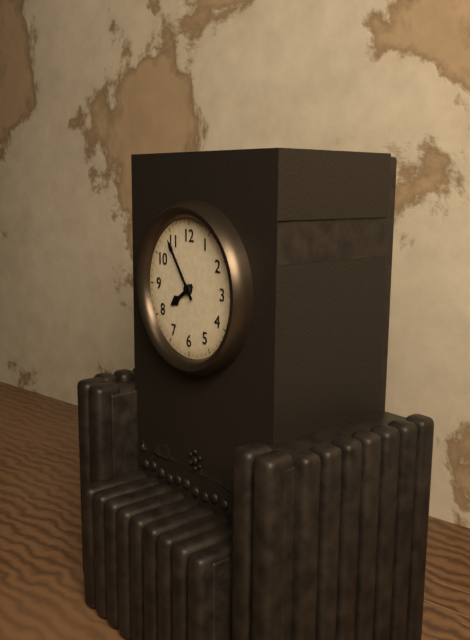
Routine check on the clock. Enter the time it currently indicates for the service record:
7:54
